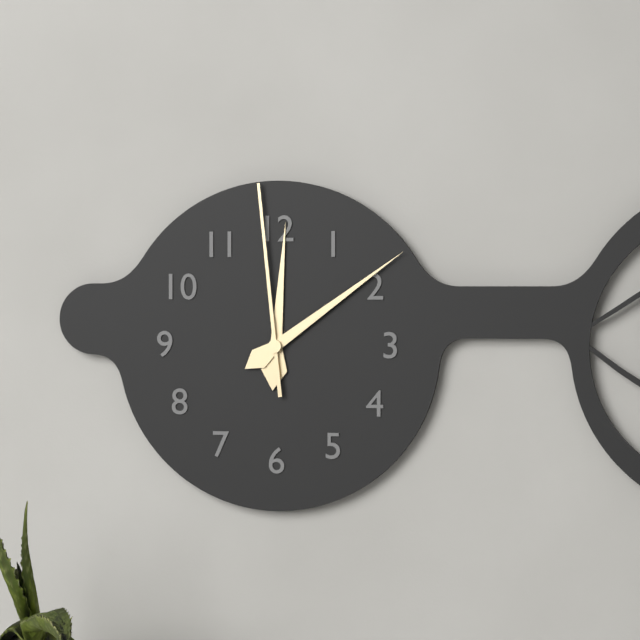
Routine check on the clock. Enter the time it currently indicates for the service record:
12:09:59
